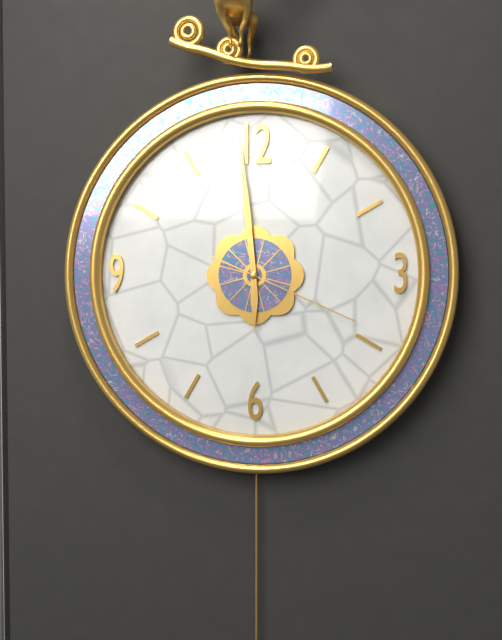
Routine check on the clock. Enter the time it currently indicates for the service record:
5:59:19
